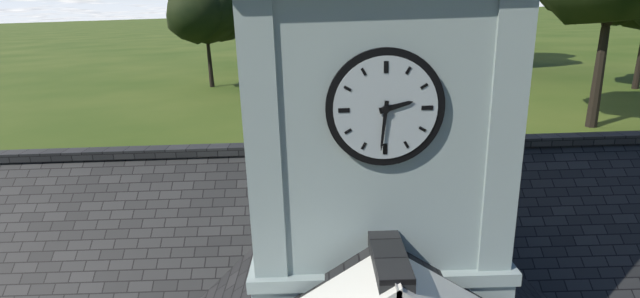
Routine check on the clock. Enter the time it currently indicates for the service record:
2:31
